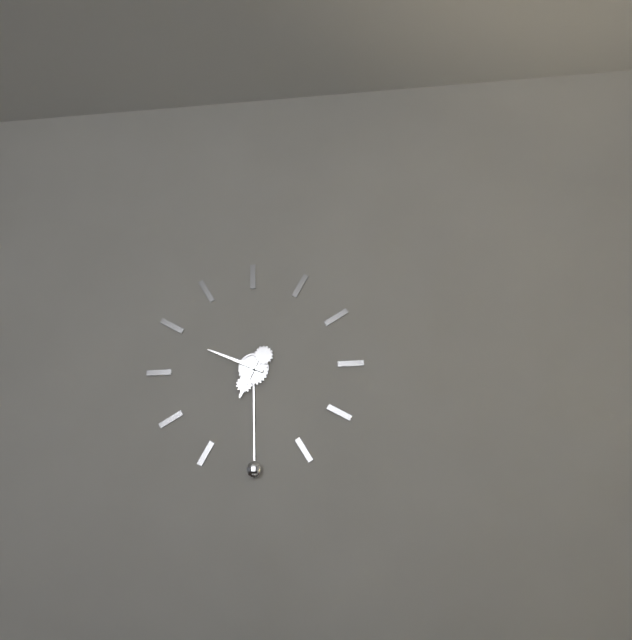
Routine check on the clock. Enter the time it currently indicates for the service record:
6:49
